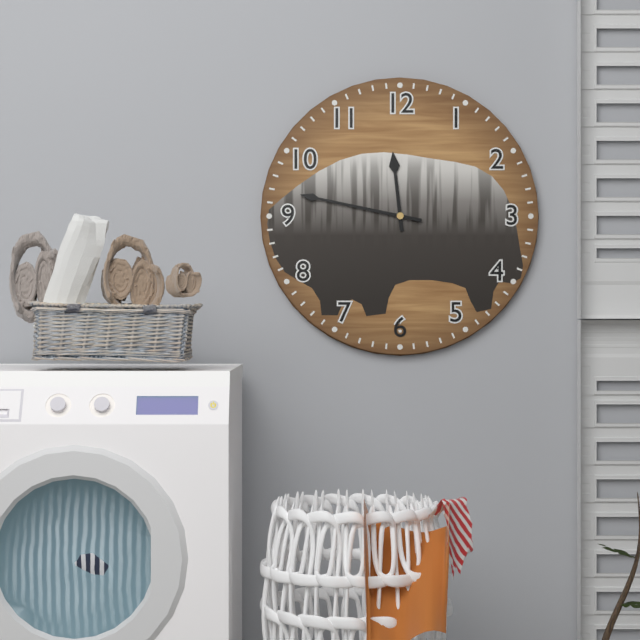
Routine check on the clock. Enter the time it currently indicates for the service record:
11:47
